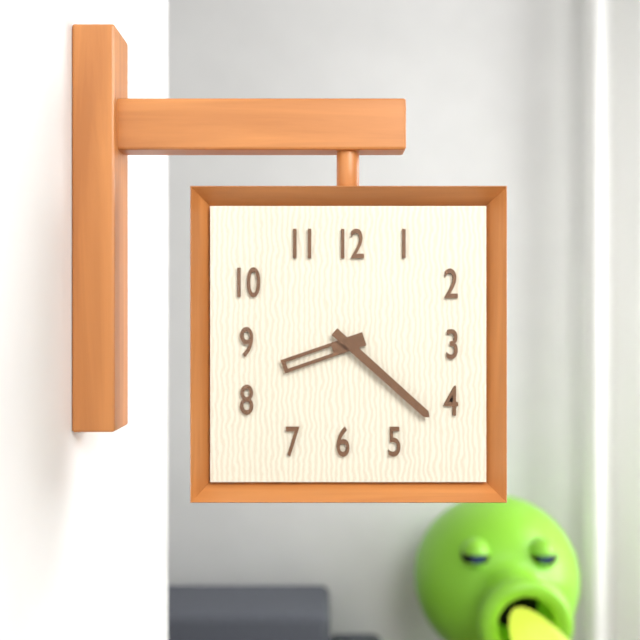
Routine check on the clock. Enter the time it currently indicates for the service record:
8:22
